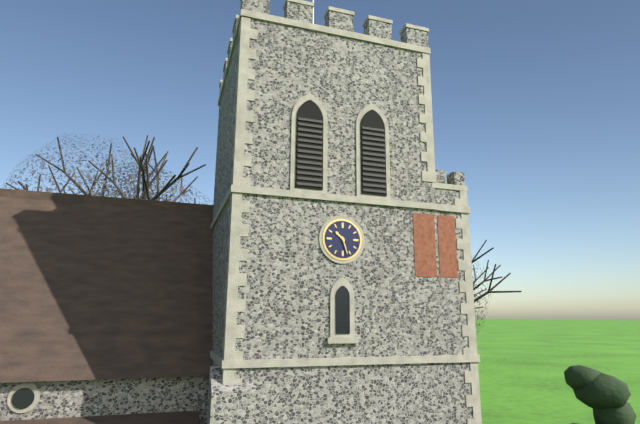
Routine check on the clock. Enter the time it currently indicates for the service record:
10:27
